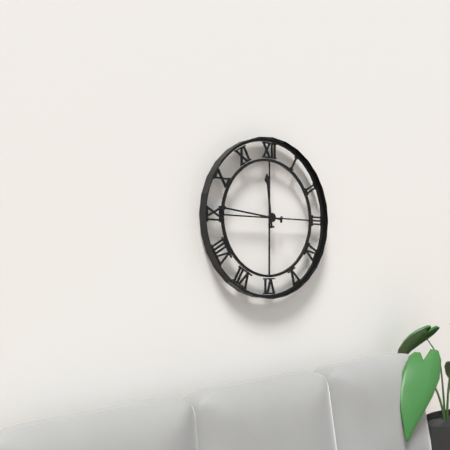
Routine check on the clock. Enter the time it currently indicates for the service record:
11:46
